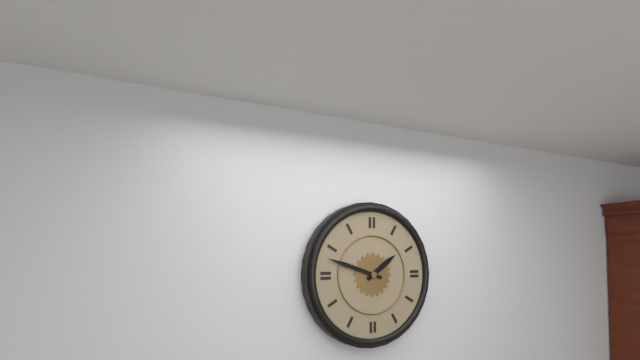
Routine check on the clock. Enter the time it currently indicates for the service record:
1:48
